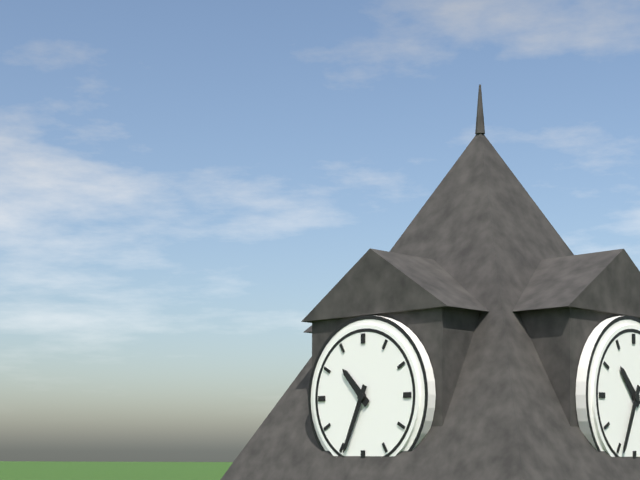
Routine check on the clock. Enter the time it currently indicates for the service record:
10:34
